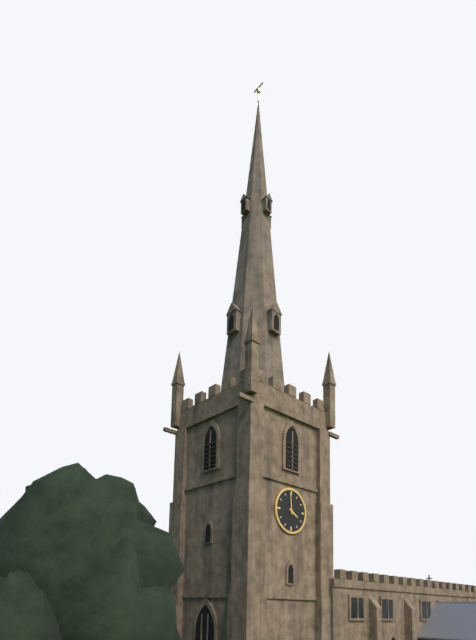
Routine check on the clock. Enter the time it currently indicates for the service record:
3:59
